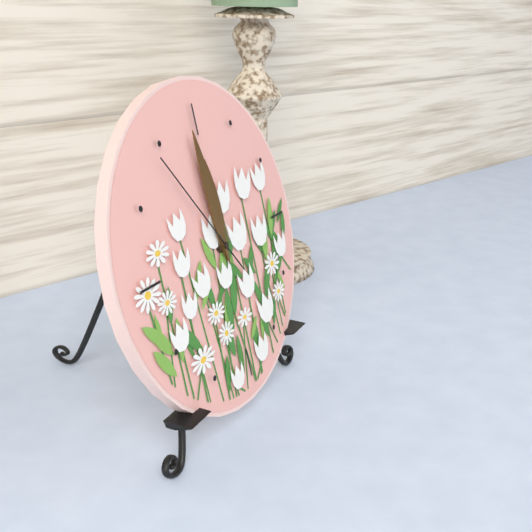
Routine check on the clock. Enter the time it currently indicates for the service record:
11:59:54
